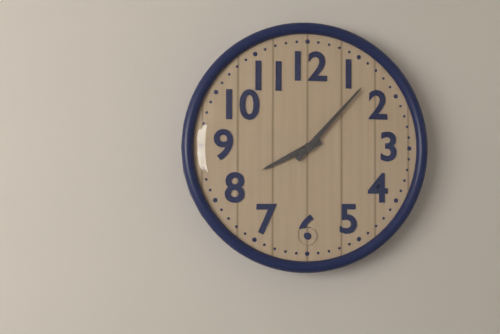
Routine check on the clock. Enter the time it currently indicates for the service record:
8:07
